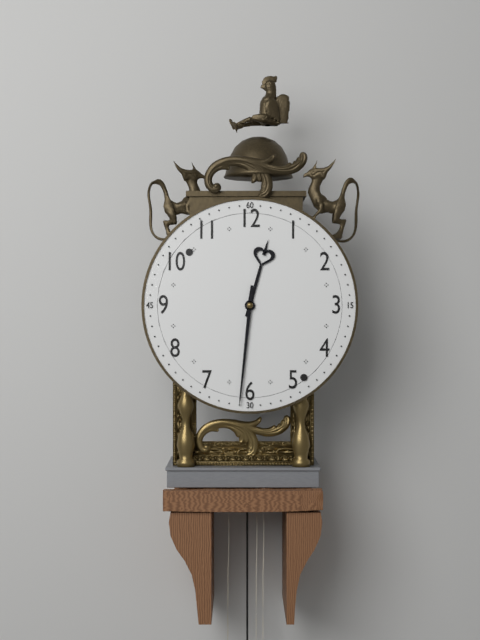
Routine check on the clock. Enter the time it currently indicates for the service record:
12:31
